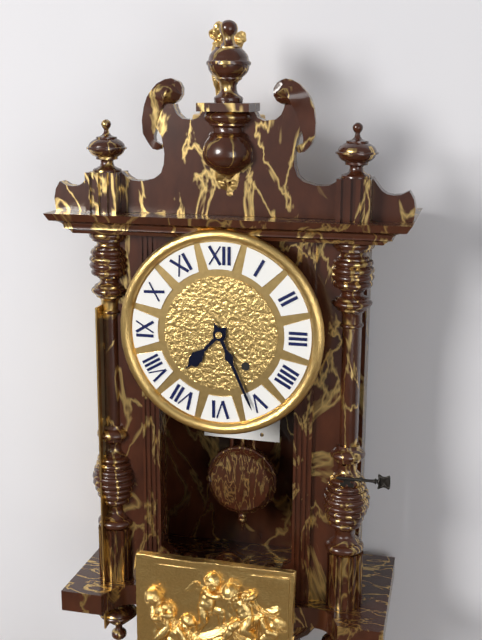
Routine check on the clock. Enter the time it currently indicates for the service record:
7:26
